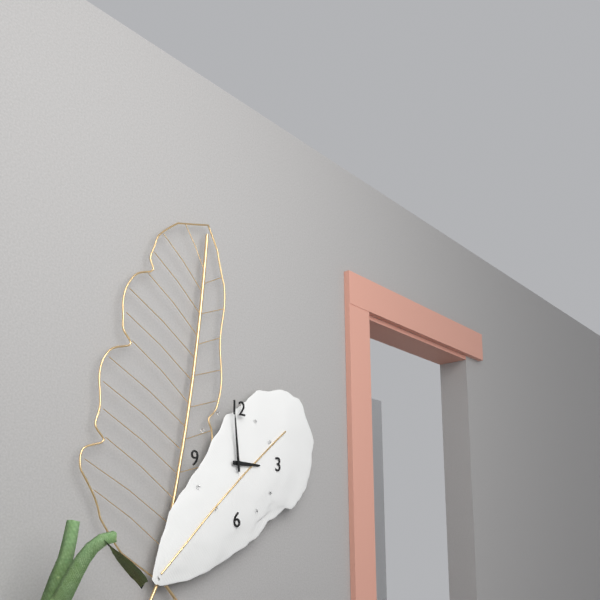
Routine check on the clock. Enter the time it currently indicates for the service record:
2:59
